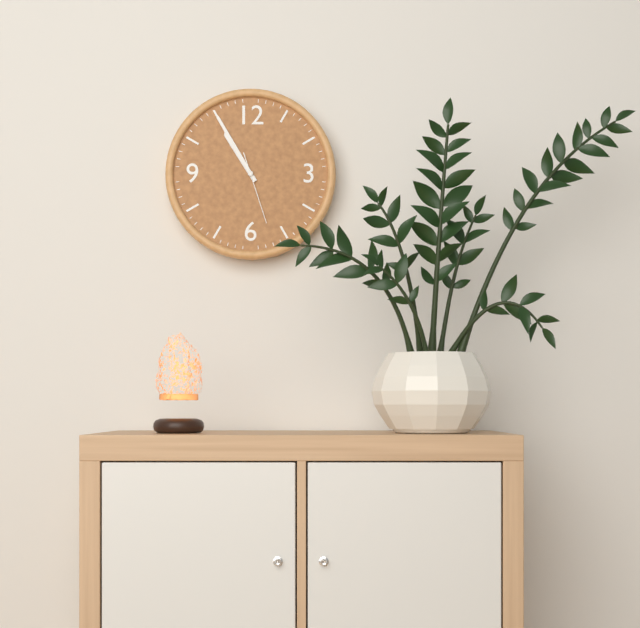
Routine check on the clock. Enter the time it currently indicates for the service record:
10:55:27
